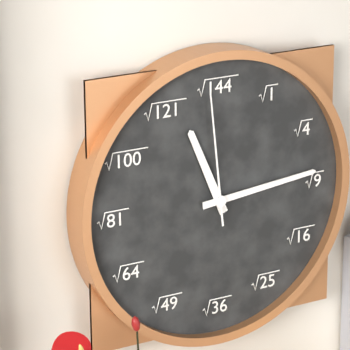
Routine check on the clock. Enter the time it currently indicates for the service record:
11:14:59
